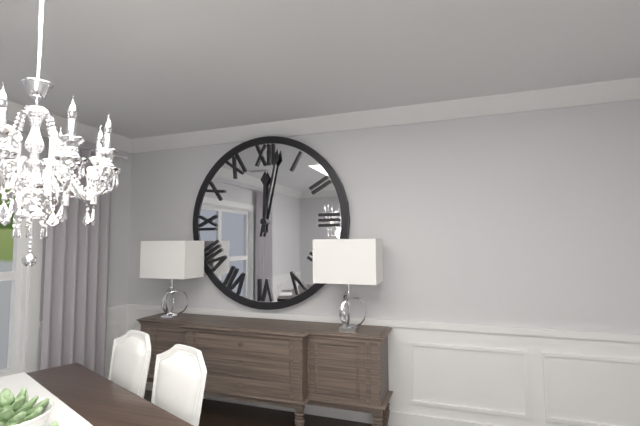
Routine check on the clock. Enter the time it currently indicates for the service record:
12:02
